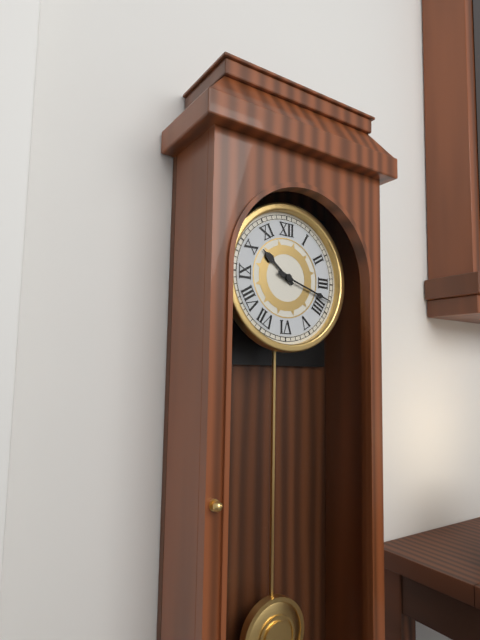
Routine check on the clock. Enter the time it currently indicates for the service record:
10:18
